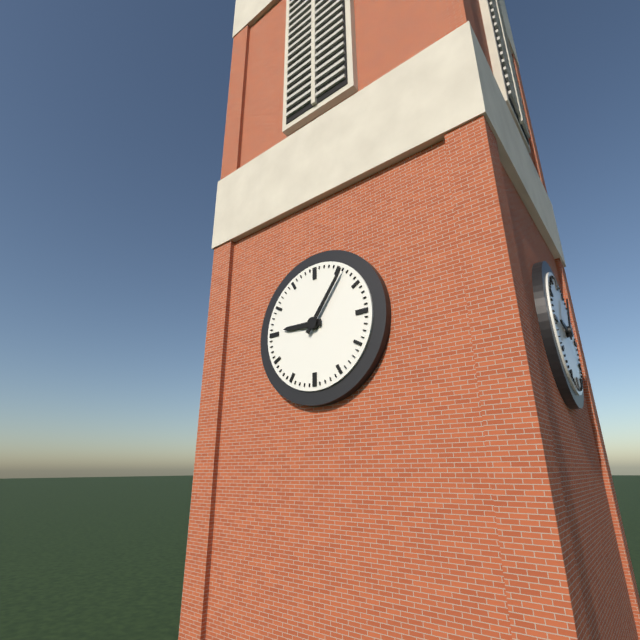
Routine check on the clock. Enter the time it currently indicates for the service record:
9:06
